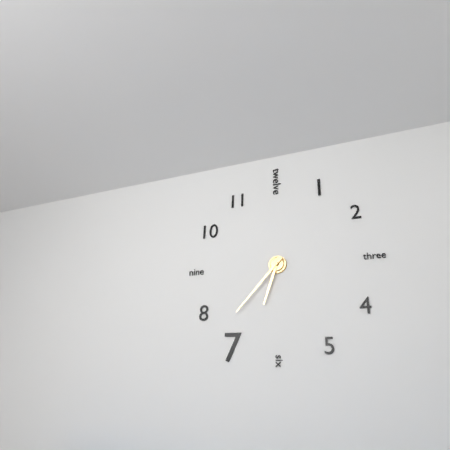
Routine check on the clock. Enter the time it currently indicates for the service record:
6:37
